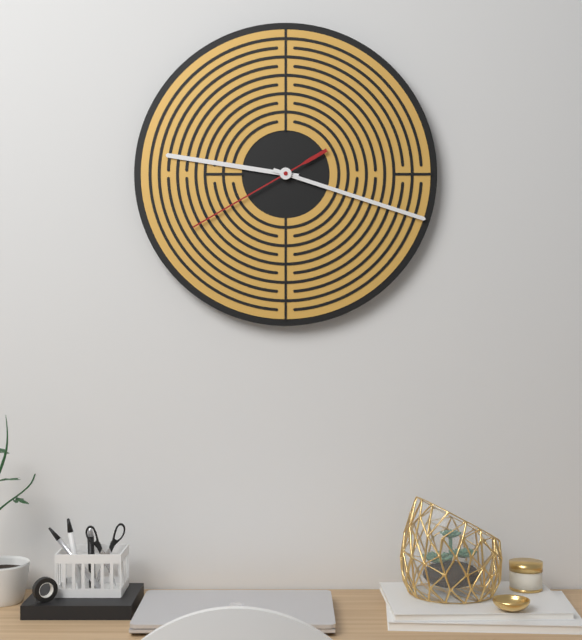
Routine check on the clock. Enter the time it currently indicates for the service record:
9:18:40
